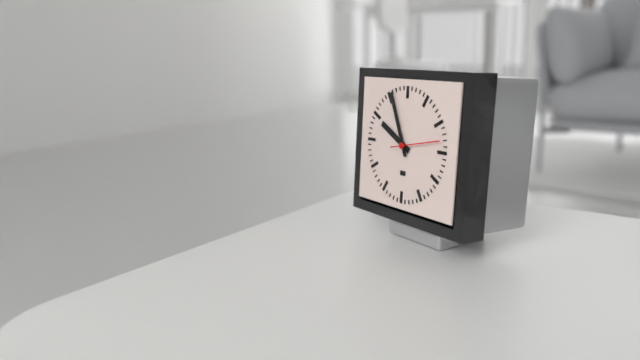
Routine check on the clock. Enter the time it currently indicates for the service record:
9:56
